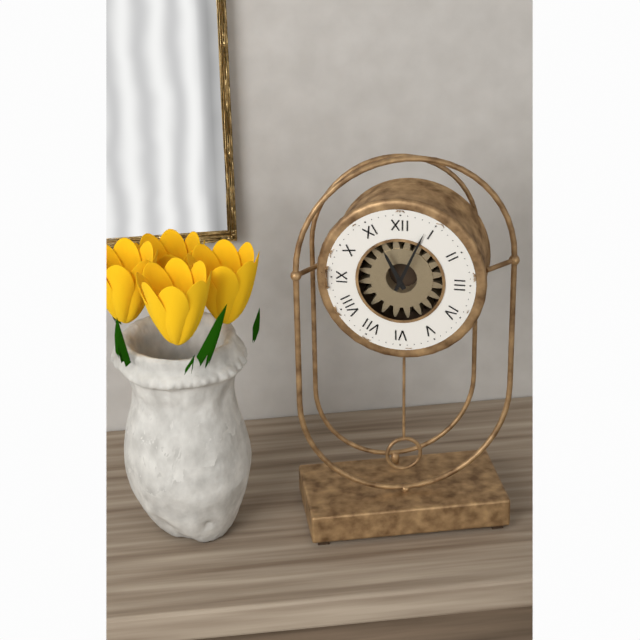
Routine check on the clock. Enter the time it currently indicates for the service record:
11:04
